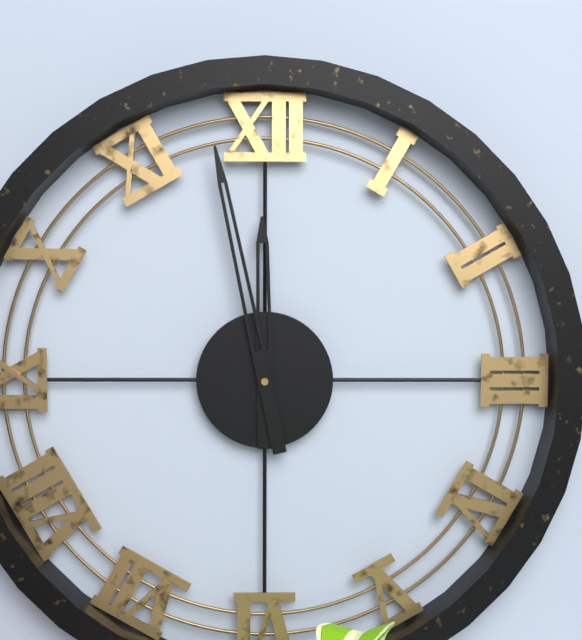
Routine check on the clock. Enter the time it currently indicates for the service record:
11:58
